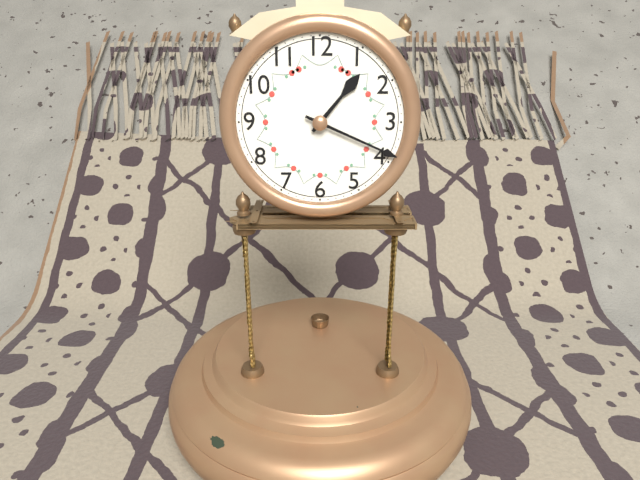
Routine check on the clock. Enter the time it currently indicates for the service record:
1:19
